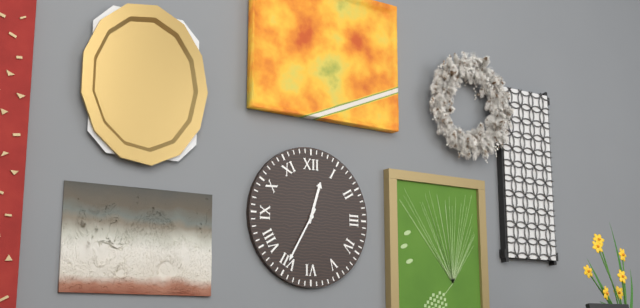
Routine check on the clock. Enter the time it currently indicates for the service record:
12:35
